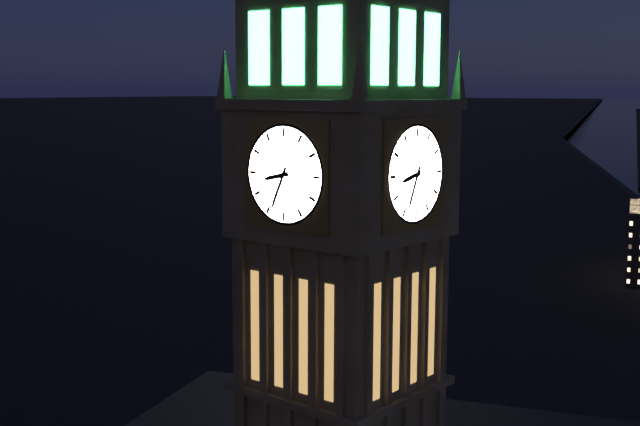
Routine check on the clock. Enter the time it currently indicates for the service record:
8:34
